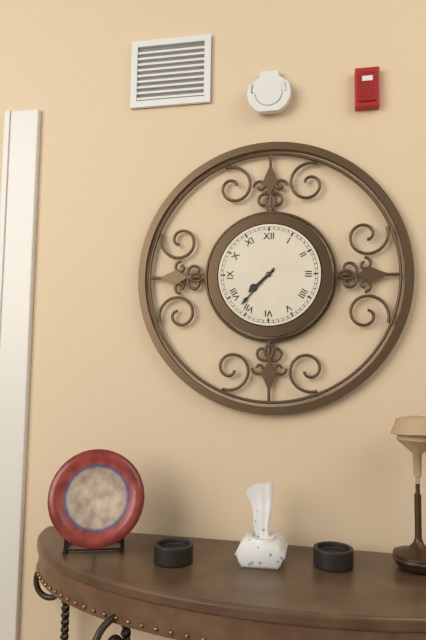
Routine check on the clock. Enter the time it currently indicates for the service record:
7:37
